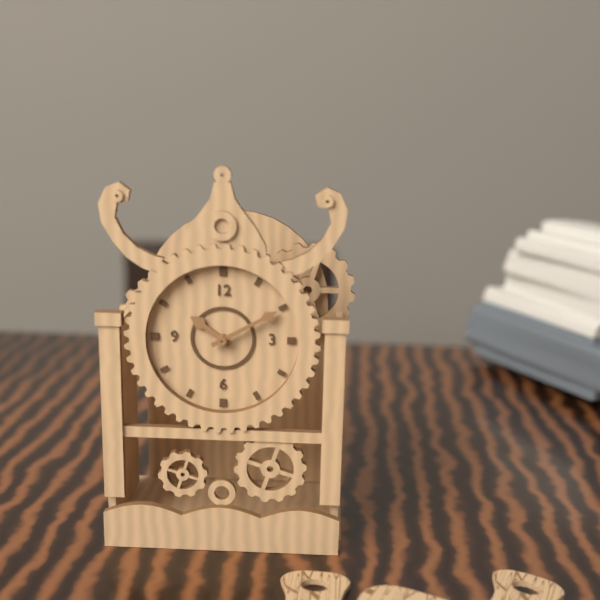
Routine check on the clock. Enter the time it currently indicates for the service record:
10:10
